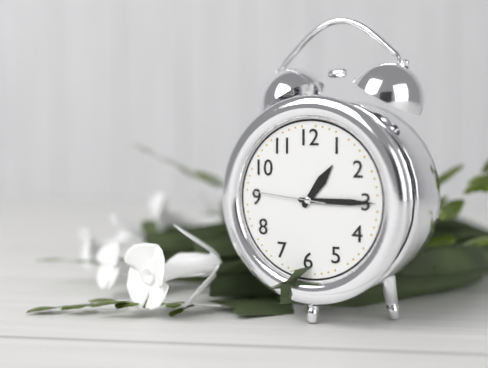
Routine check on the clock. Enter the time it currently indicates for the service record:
1:15:46
